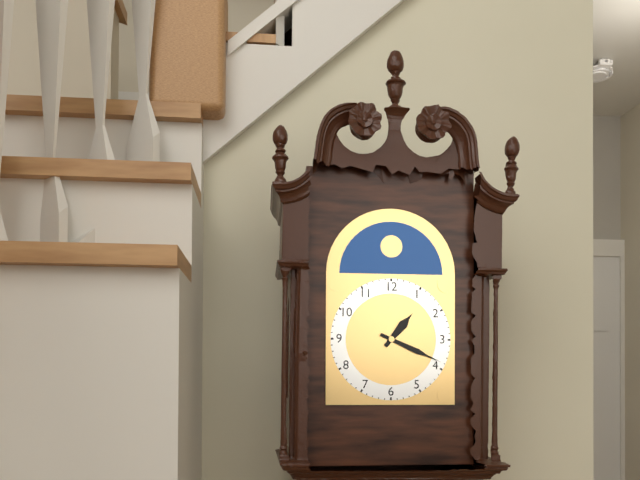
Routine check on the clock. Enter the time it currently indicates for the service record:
1:19
